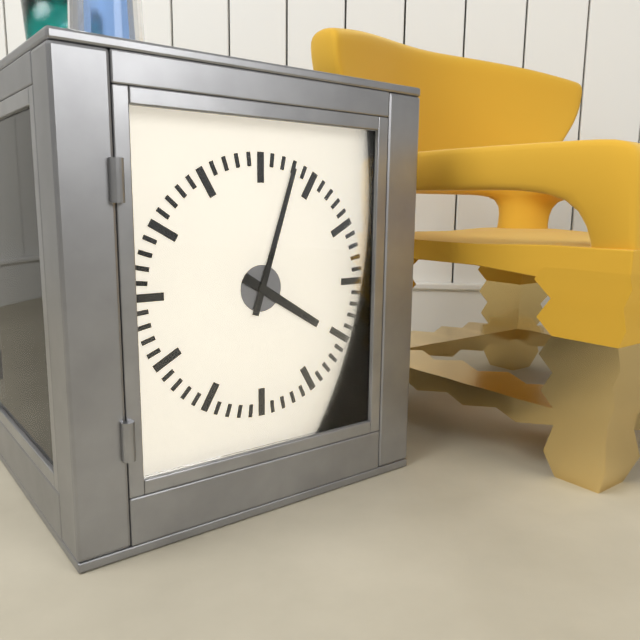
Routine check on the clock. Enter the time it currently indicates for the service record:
4:03
